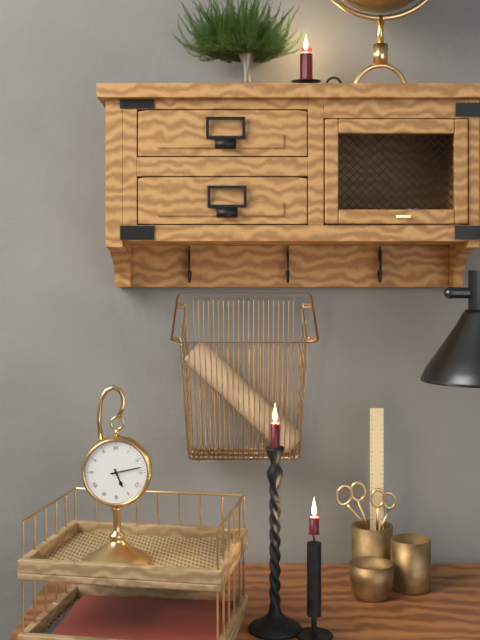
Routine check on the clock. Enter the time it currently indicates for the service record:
5:13
